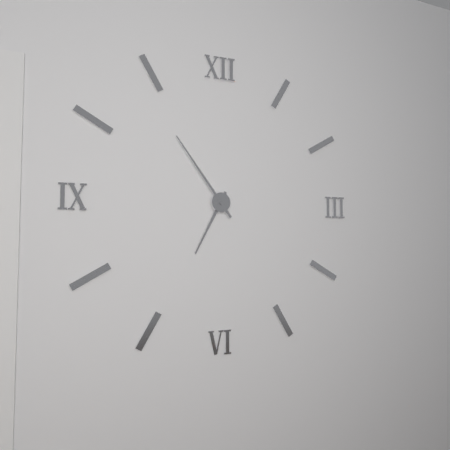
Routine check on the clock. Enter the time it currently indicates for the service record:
6:54
